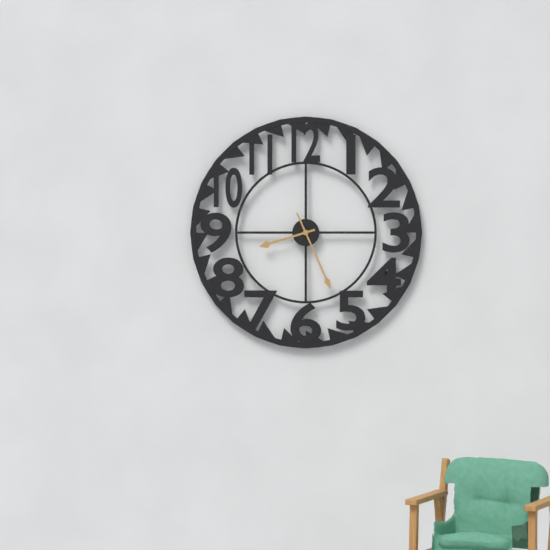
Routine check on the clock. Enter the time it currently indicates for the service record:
8:26
